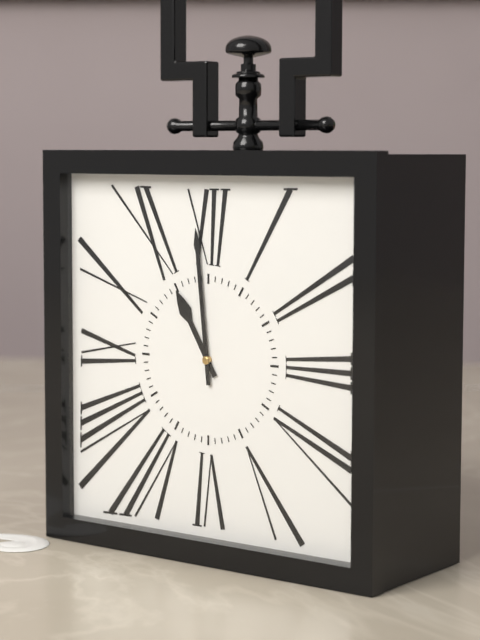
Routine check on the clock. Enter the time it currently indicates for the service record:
10:59
